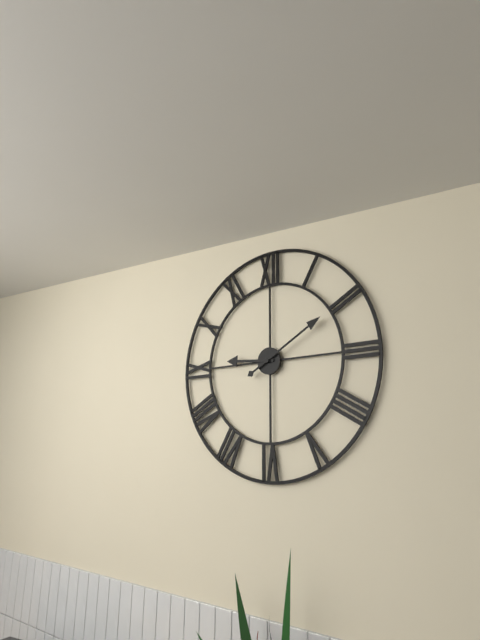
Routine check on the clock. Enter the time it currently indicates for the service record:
9:10
